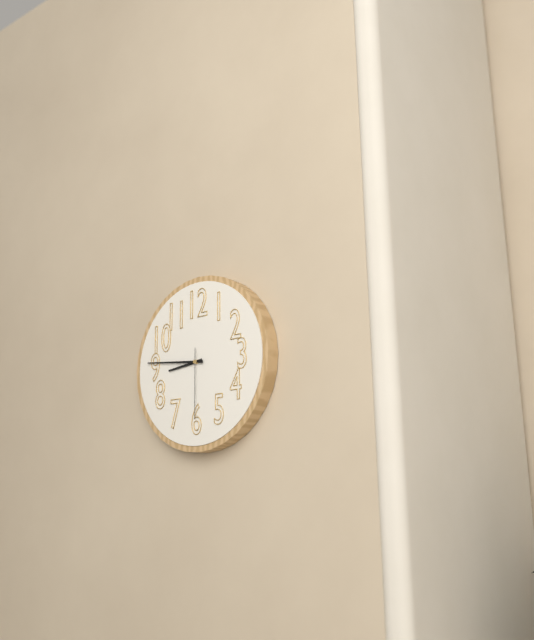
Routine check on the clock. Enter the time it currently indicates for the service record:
8:46:30
